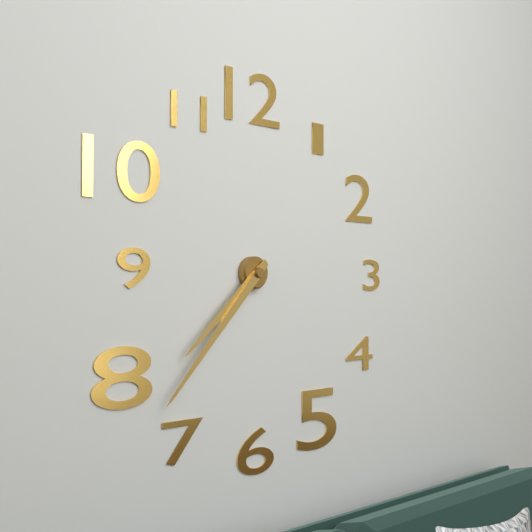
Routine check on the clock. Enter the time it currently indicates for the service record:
7:37
